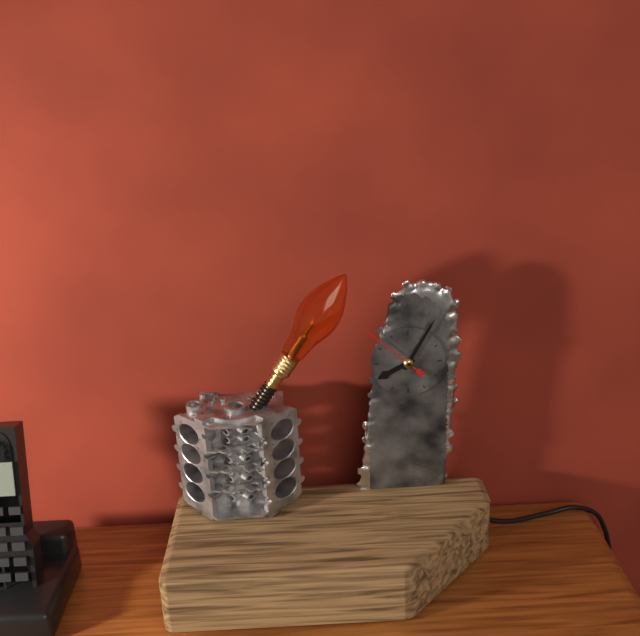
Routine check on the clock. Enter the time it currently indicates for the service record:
8:05:52
